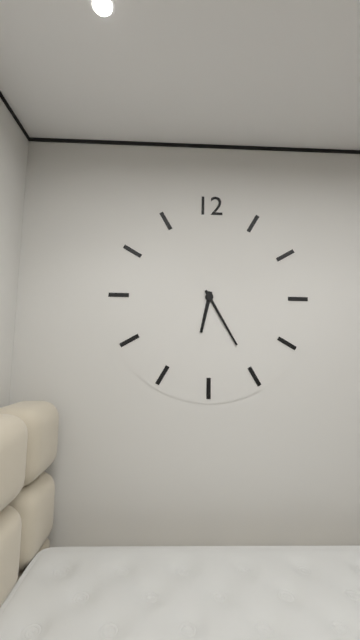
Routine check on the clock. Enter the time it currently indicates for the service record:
6:25
